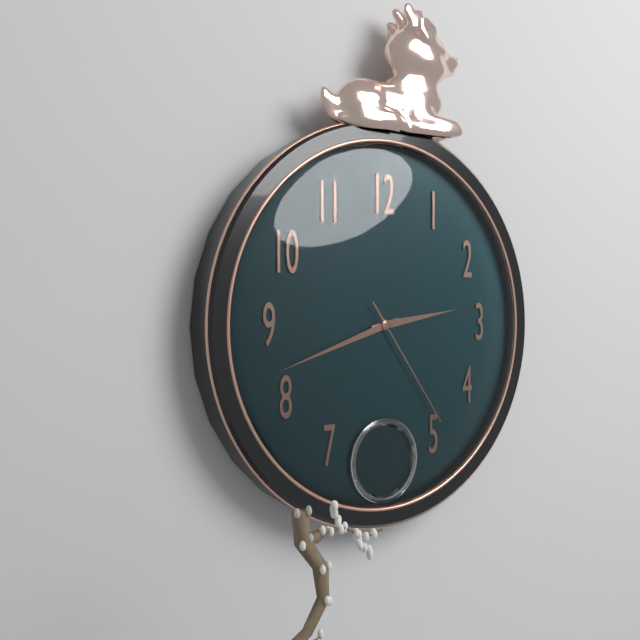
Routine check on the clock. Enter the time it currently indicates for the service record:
2:42:24
